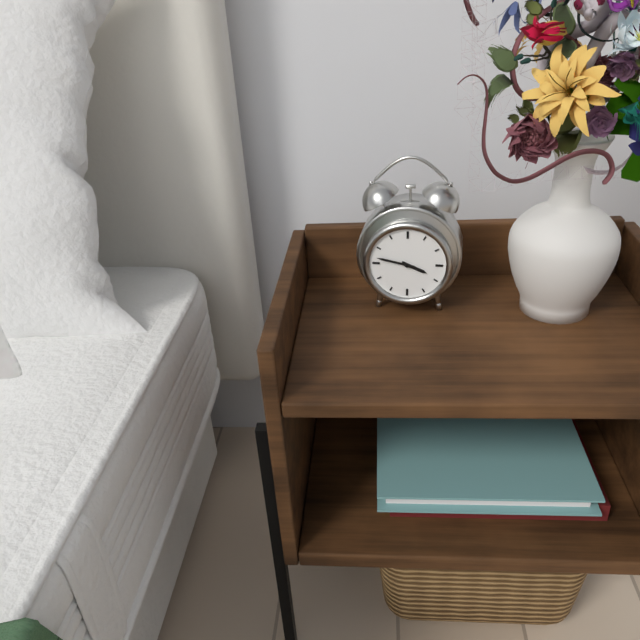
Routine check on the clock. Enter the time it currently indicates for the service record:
3:47
